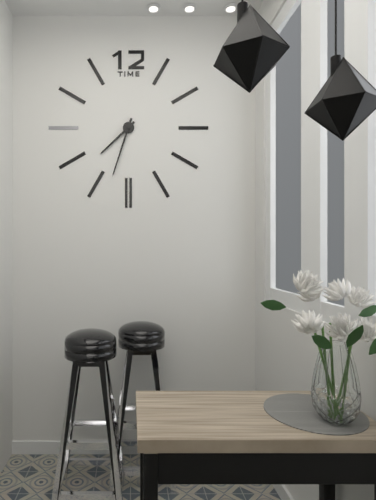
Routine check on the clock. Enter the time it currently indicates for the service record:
7:33
